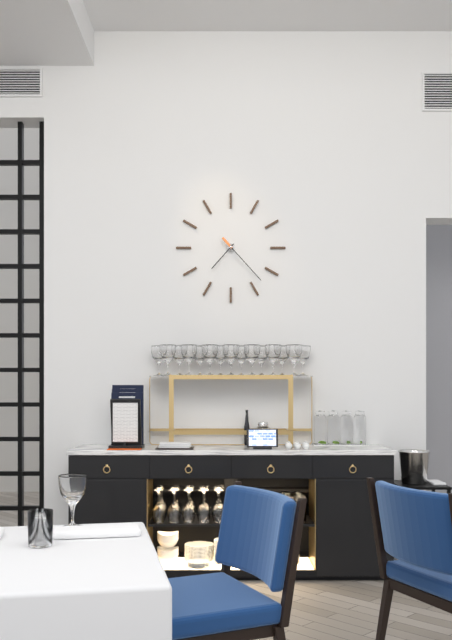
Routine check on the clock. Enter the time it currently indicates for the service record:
7:23
